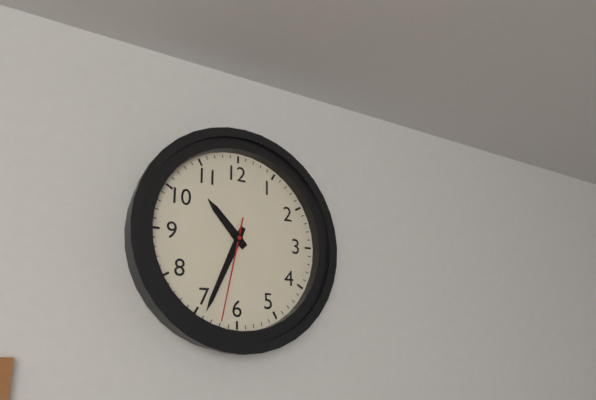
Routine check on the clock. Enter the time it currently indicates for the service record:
10:34:32
